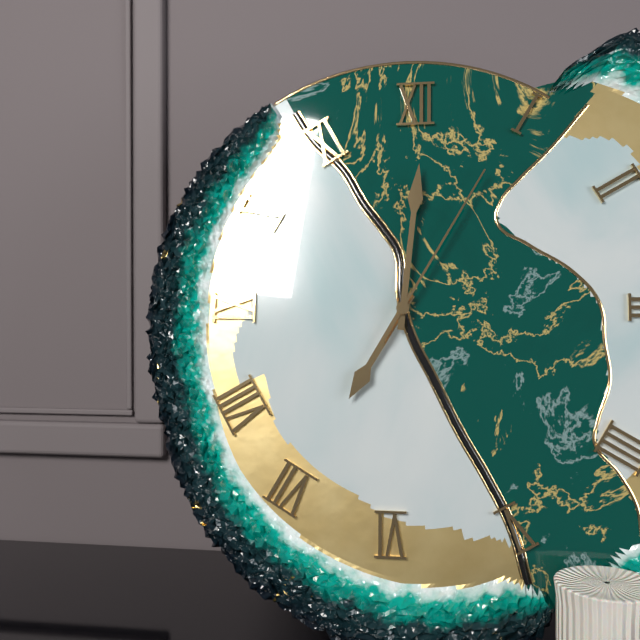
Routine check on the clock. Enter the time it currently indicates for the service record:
7:01:05
